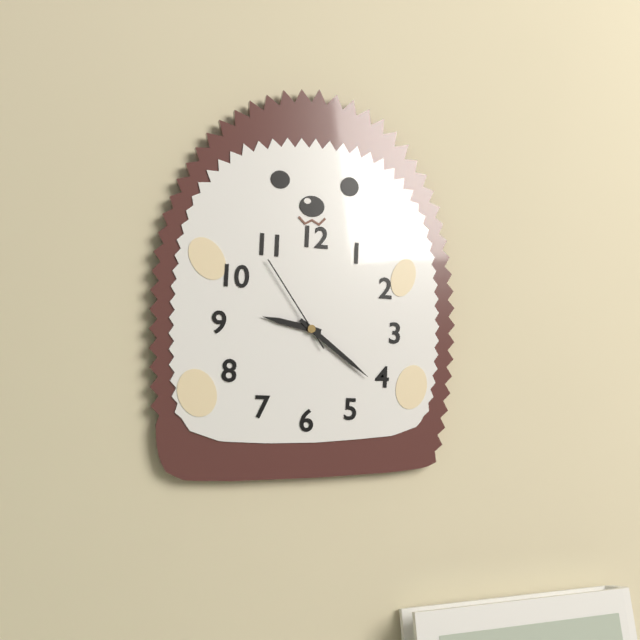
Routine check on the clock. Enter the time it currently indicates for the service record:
9:21:54
